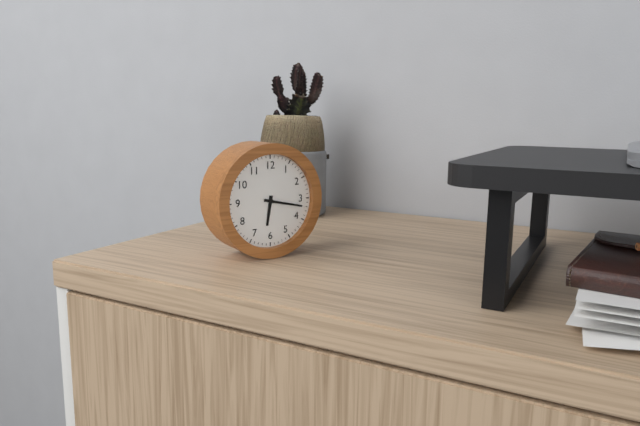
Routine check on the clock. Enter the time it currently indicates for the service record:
6:17
